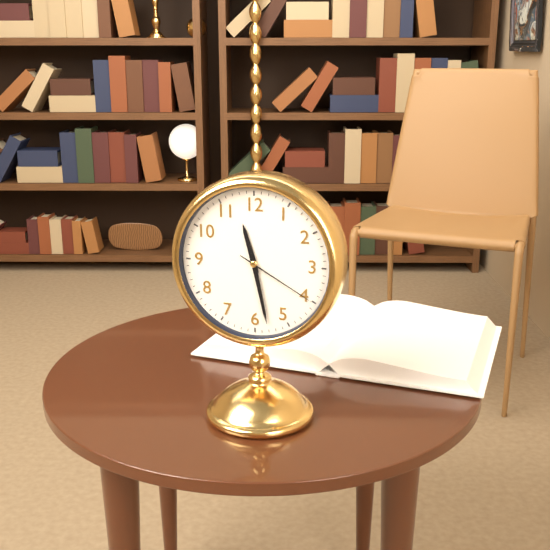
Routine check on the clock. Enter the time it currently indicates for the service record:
11:28:20
